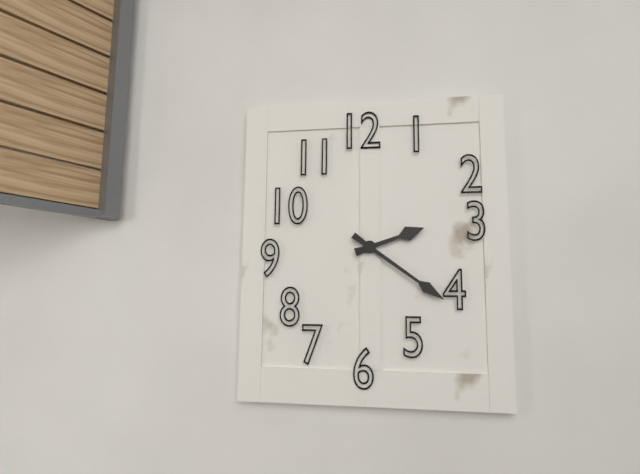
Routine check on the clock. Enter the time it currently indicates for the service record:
2:21
